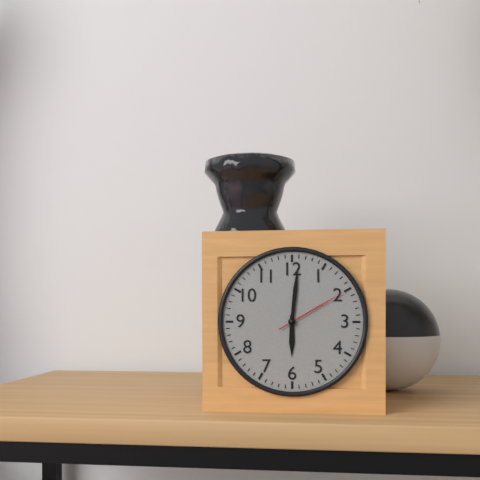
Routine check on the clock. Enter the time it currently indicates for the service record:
6:01:10
